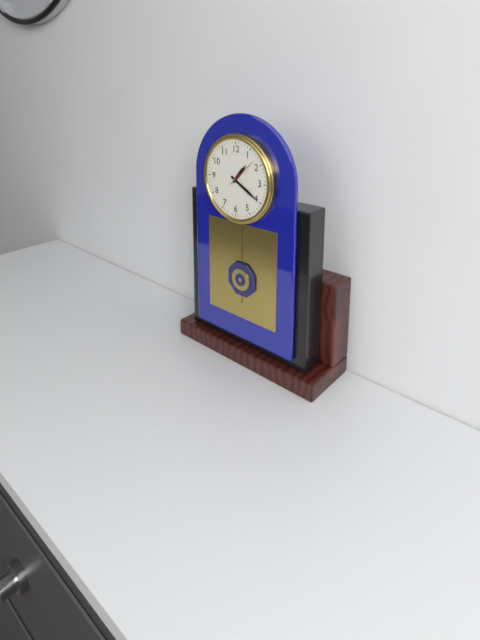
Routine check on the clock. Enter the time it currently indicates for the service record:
1:20
